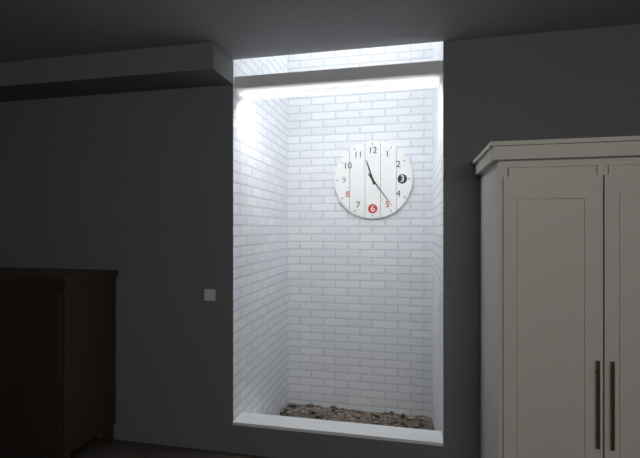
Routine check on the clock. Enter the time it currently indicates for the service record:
11:24
